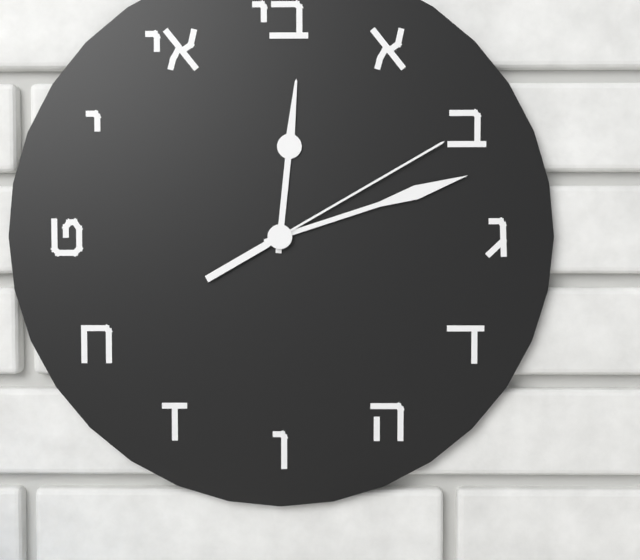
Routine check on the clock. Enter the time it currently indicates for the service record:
12:12:10
